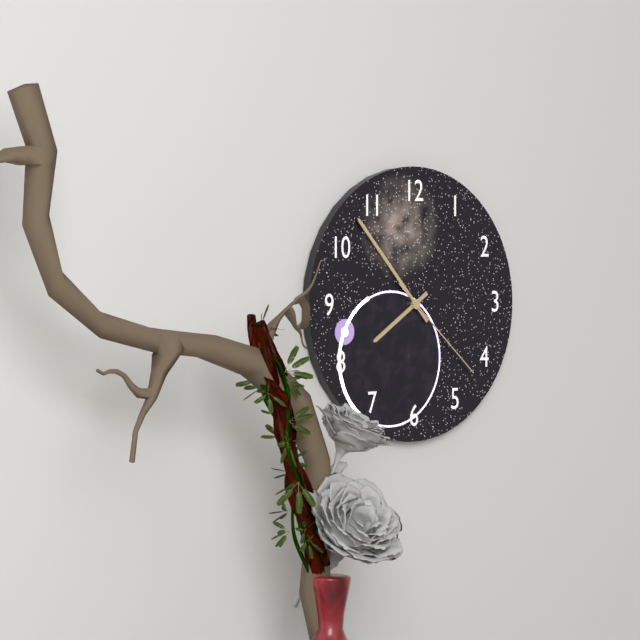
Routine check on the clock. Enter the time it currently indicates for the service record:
7:53:22
